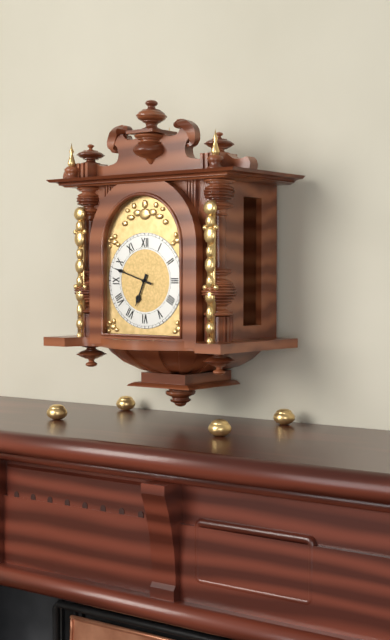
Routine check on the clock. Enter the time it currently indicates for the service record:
6:48
